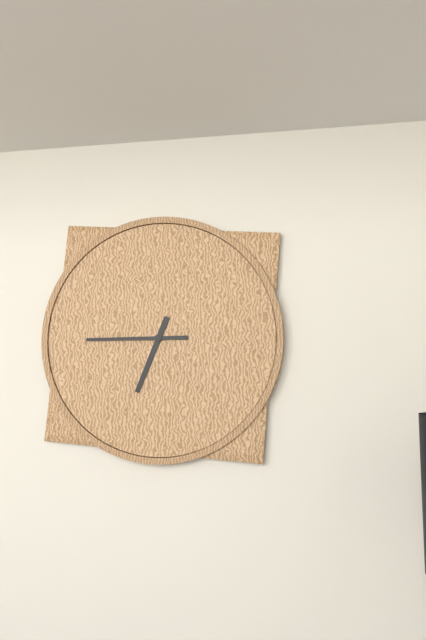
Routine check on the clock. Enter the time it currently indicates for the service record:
6:45
